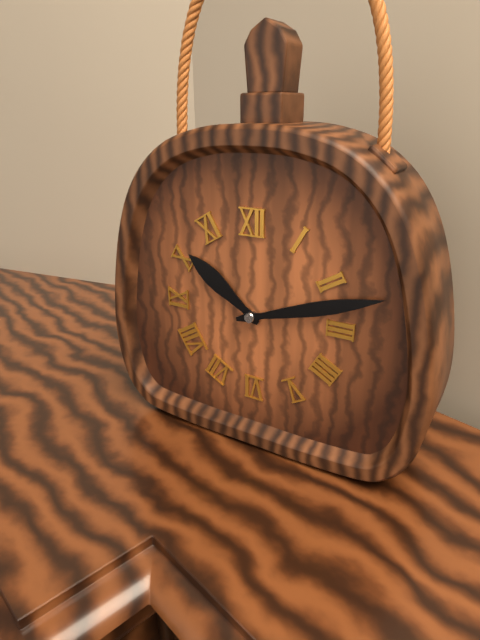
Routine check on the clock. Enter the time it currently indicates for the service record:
10:12
